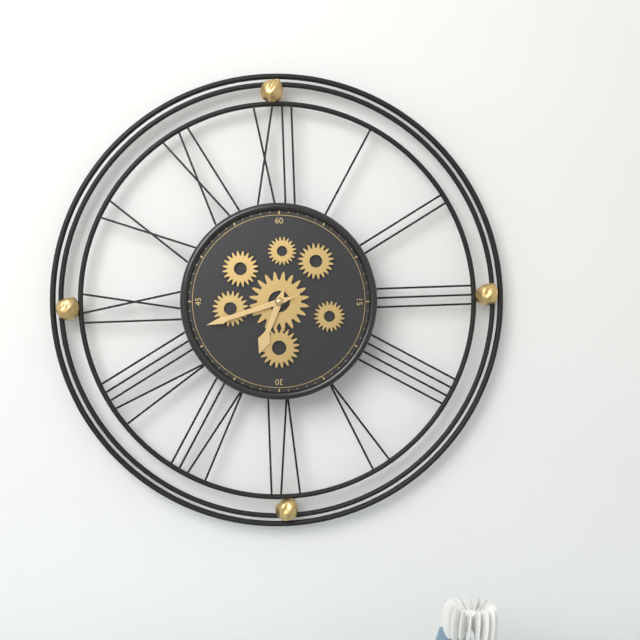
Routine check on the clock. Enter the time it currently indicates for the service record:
6:42
